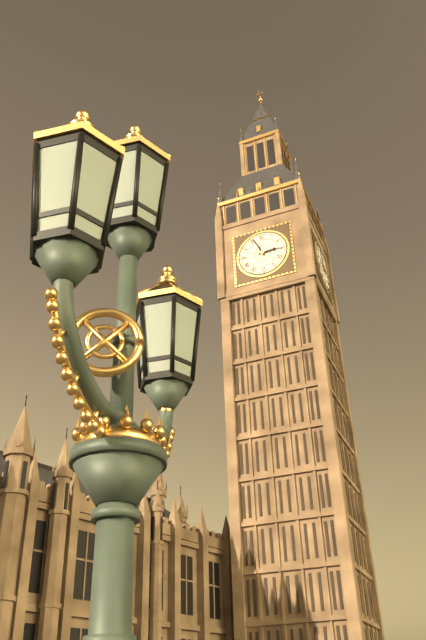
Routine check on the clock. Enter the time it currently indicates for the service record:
2:56
